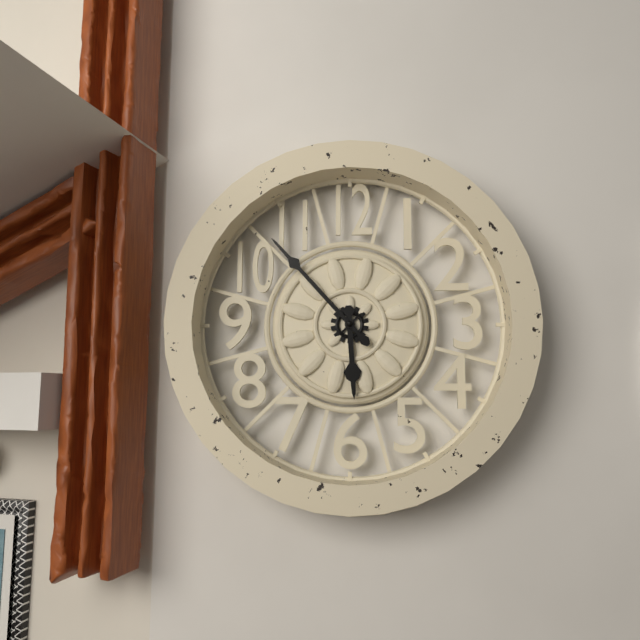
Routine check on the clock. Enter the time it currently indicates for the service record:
5:53
